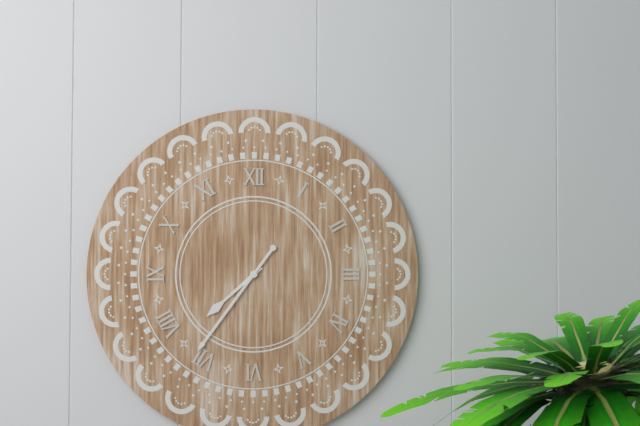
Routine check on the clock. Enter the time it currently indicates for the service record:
7:36
